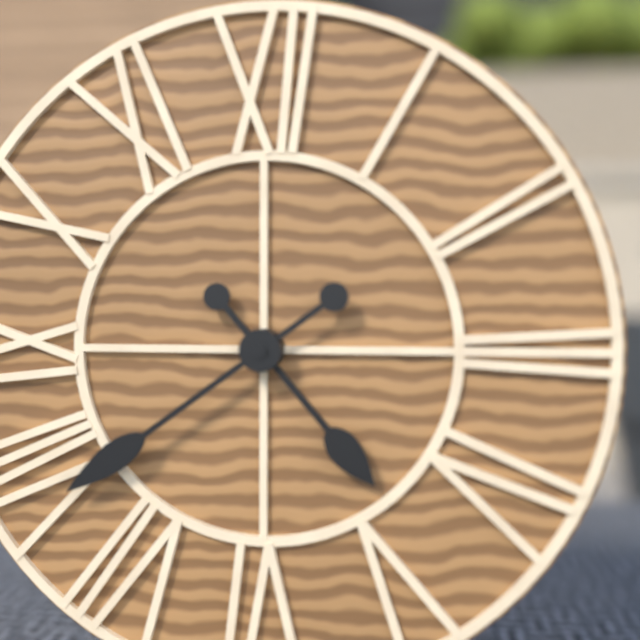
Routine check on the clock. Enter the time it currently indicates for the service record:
4:39
